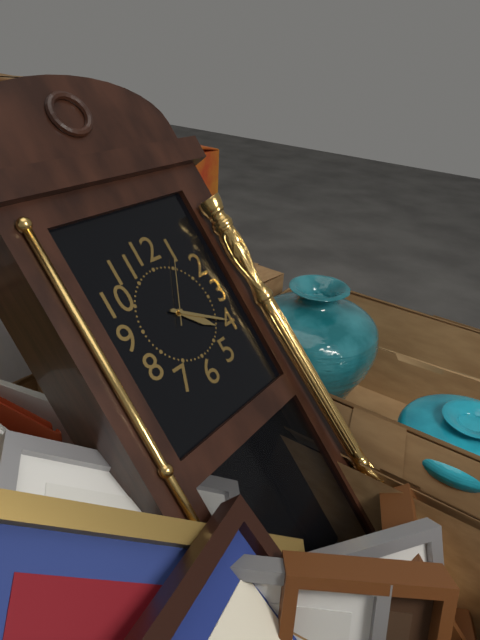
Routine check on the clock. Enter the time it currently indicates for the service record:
4:20:05
